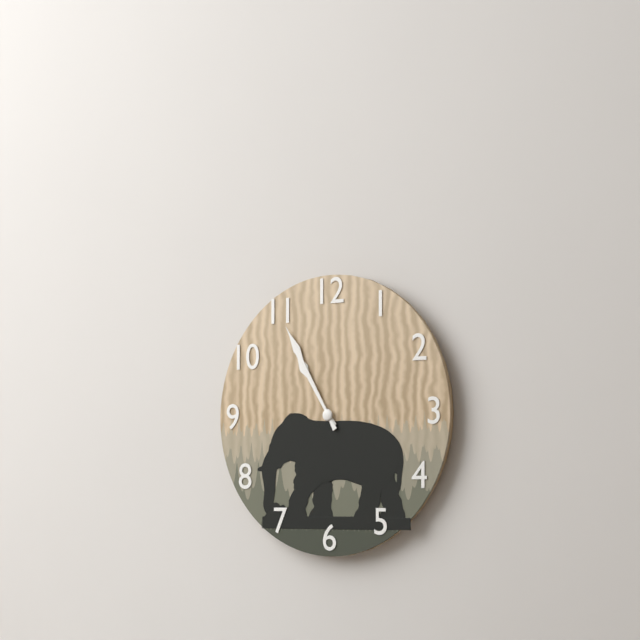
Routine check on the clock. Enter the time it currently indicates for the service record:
10:55
